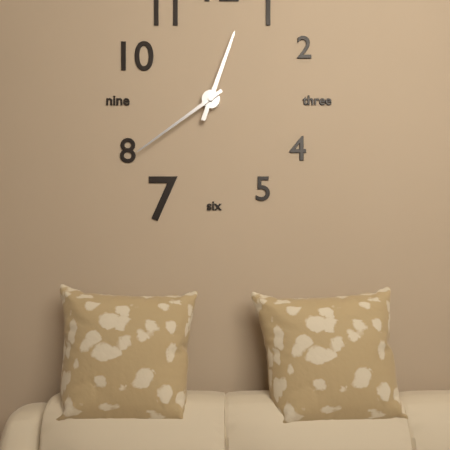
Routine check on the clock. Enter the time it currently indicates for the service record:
12:39
